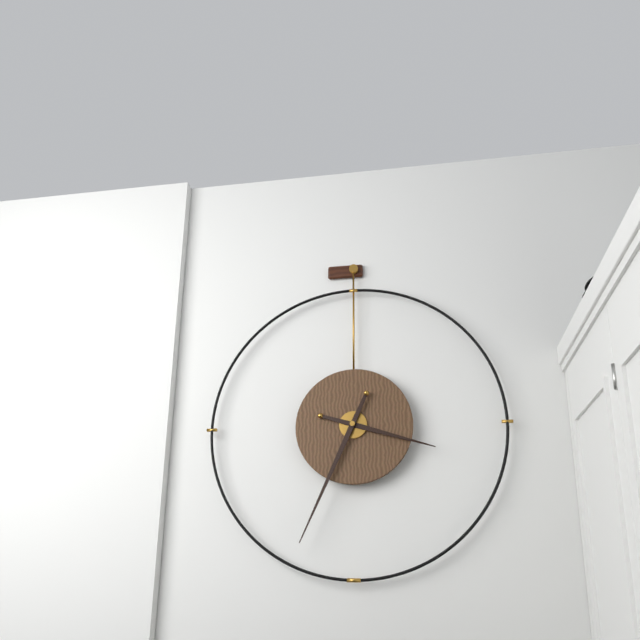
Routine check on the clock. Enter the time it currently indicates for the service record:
3:34
